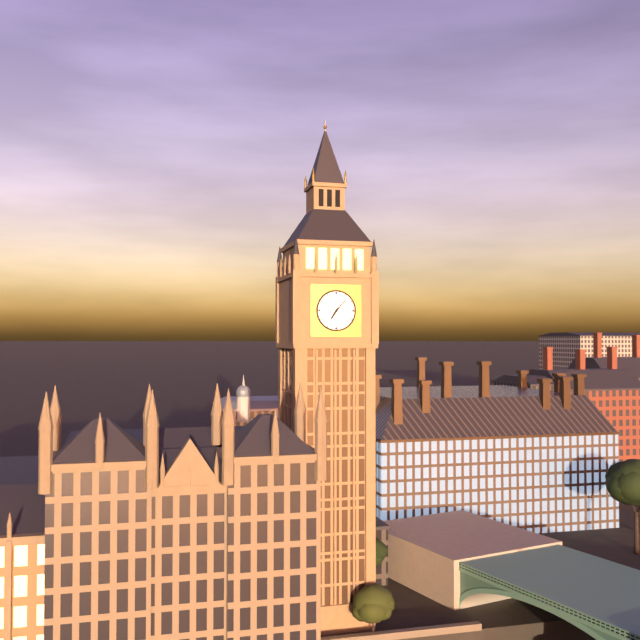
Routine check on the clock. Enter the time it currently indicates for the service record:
7:07
